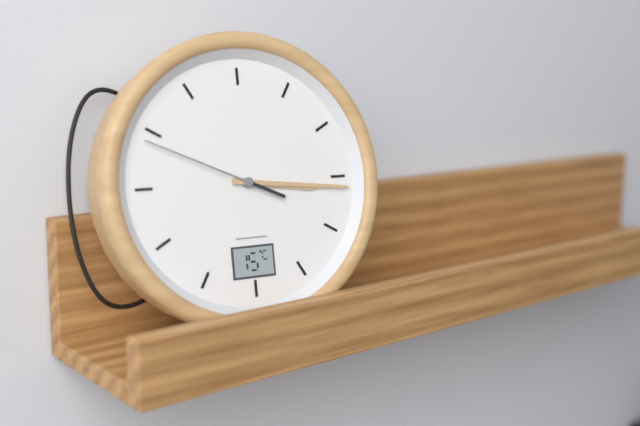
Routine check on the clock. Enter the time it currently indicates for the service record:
3:16:49
